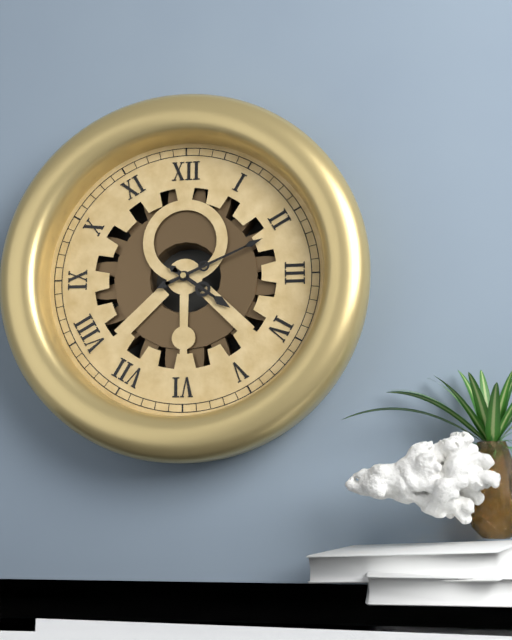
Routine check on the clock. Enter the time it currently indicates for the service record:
4:11
